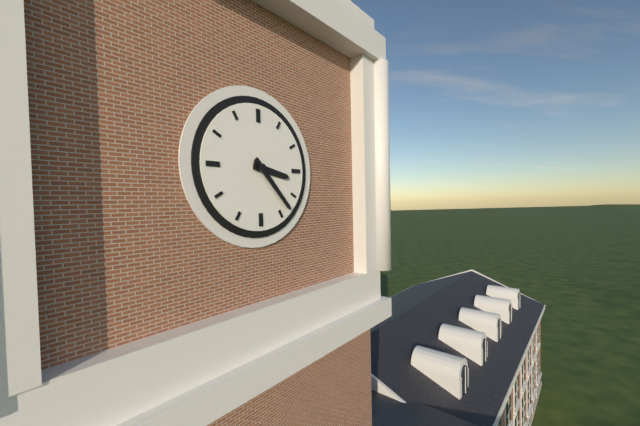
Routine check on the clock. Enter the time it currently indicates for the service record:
3:23
